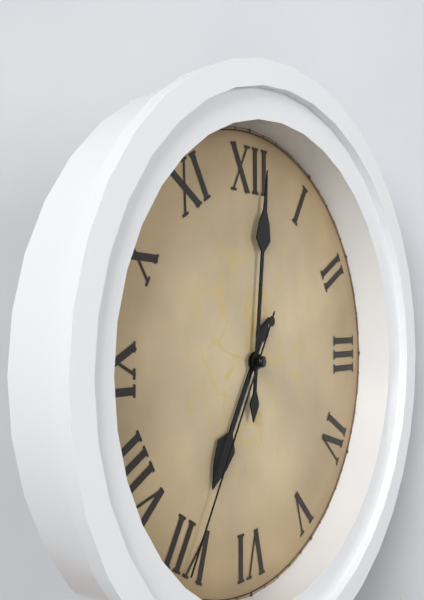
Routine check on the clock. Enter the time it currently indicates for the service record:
7:01:35
